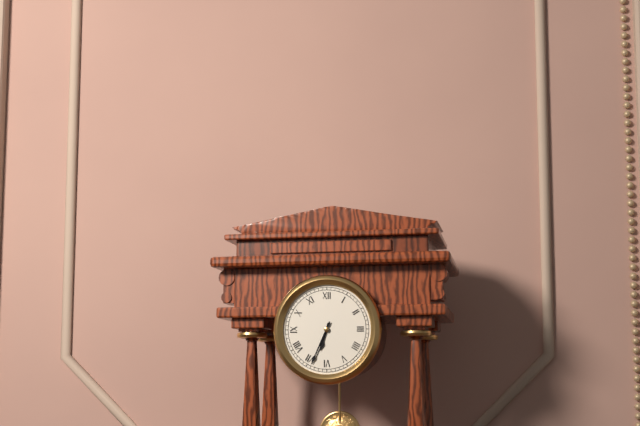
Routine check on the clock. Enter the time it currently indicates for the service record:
6:34
